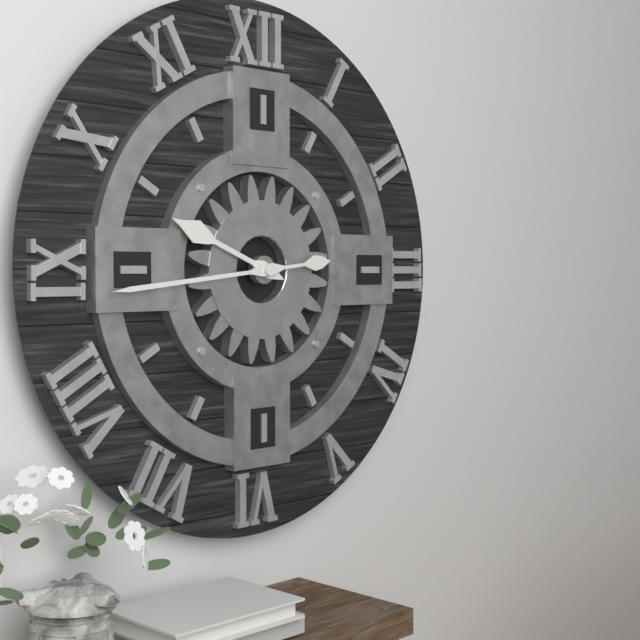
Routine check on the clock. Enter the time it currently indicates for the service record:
9:44
